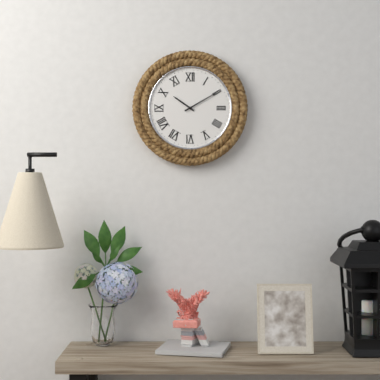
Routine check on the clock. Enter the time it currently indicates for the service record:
10:10
